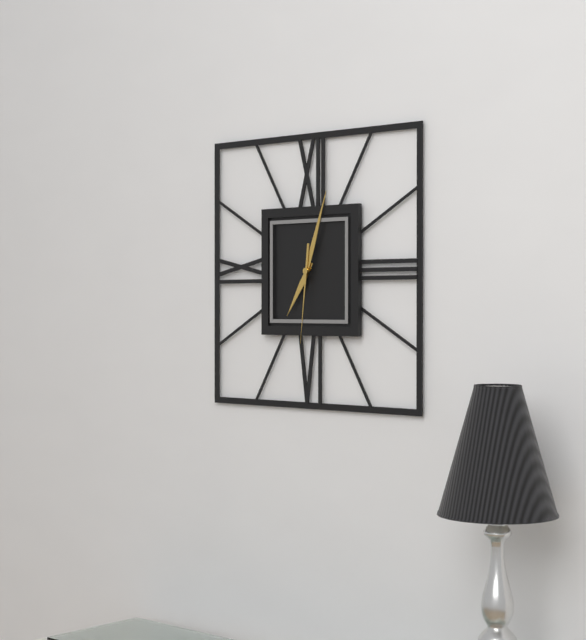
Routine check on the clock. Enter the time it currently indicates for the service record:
7:03:31
